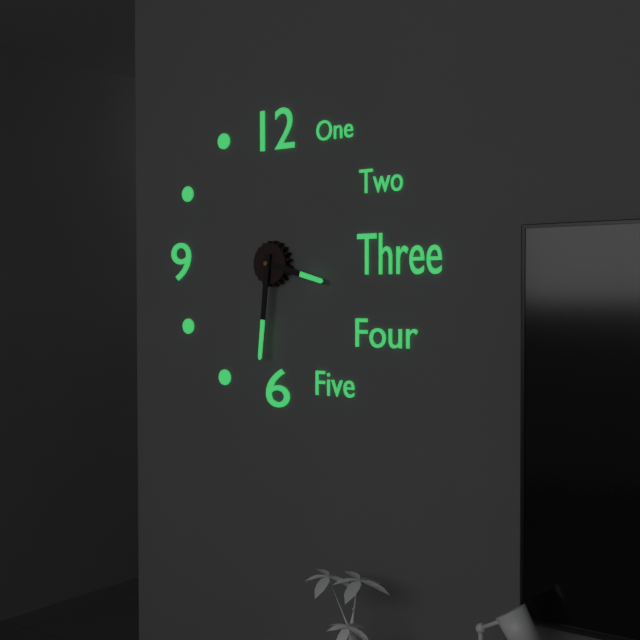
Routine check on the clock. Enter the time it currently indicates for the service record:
3:31
